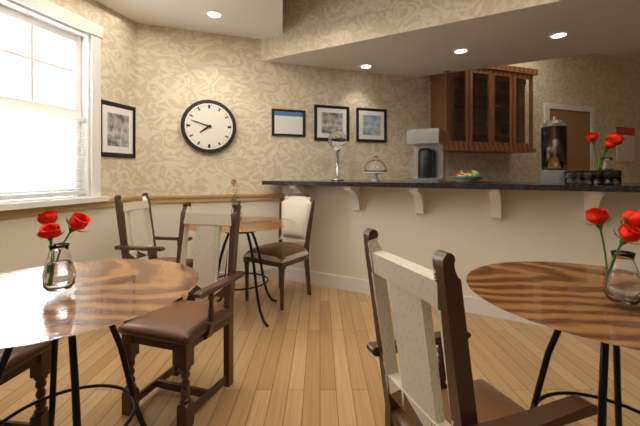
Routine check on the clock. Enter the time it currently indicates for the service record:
7:48
